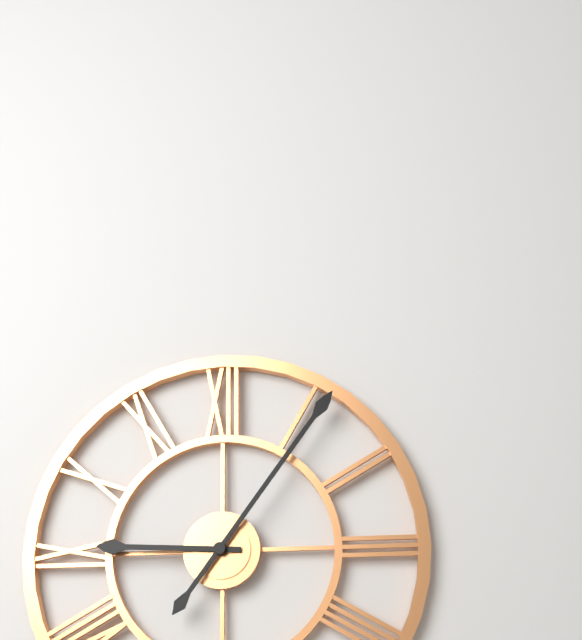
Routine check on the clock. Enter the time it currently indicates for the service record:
9:06
